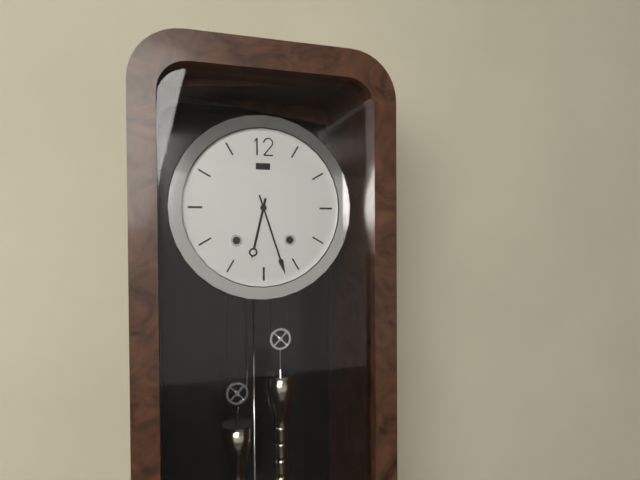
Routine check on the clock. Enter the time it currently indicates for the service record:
6:27
